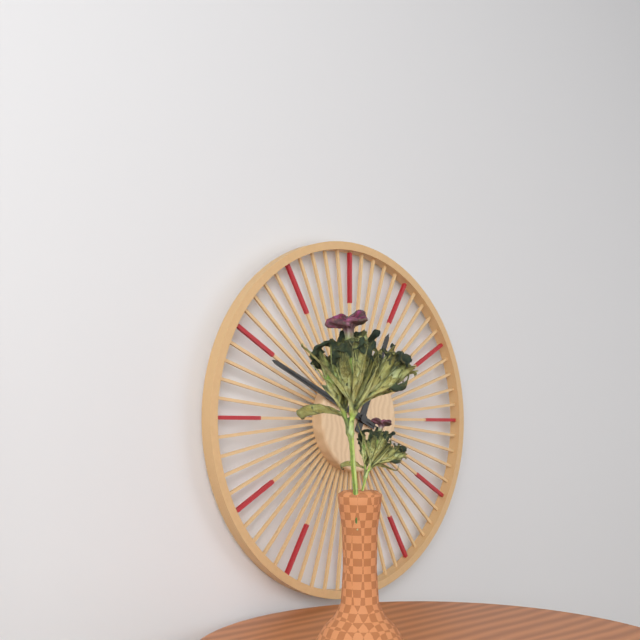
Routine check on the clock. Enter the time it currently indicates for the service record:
12:49:49
